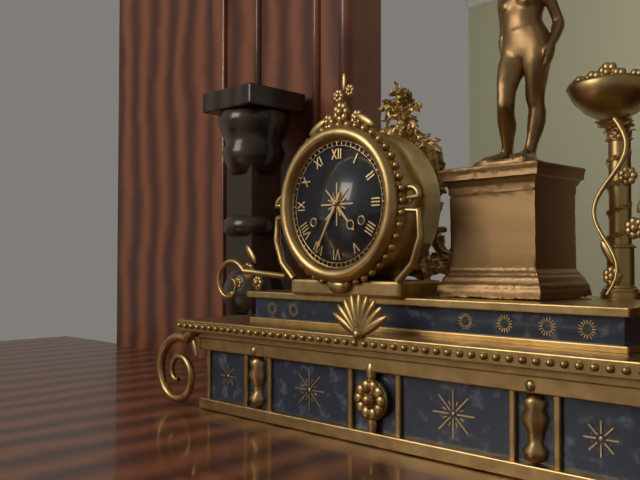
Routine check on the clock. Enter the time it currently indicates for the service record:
4:35
